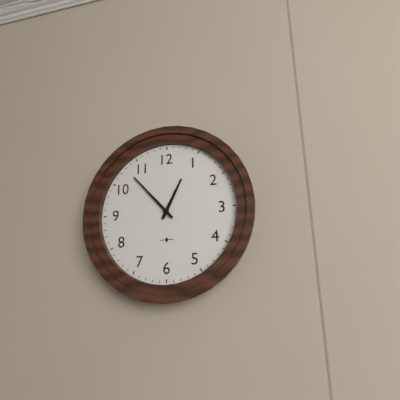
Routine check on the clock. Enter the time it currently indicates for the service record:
12:53
